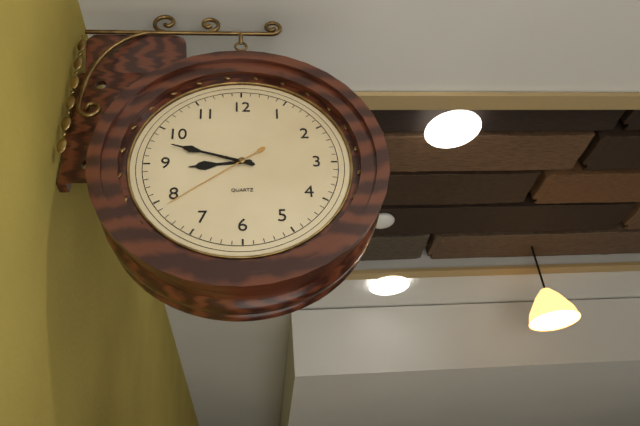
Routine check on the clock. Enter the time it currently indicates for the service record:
8:48:39
